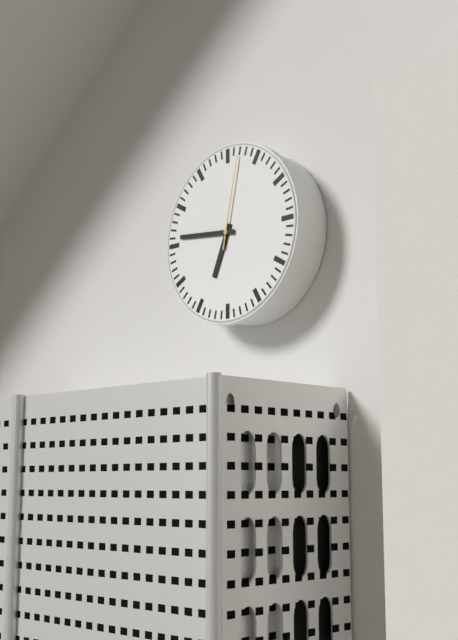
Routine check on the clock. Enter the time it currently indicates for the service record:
6:46:02
